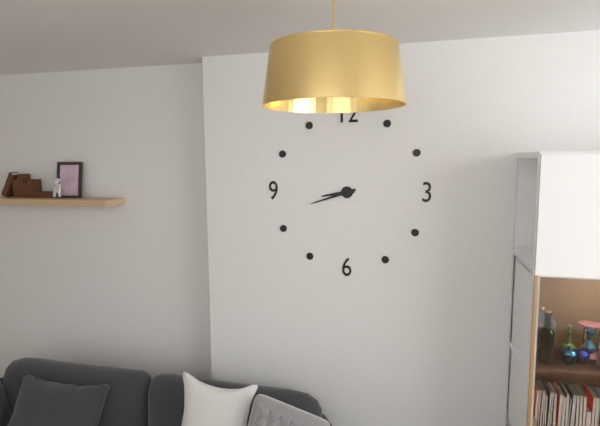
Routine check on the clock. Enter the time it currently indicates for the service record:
8:42
